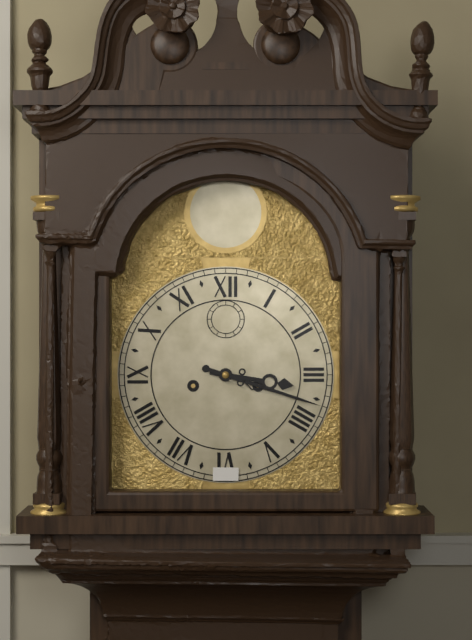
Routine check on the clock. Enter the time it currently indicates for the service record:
3:18
